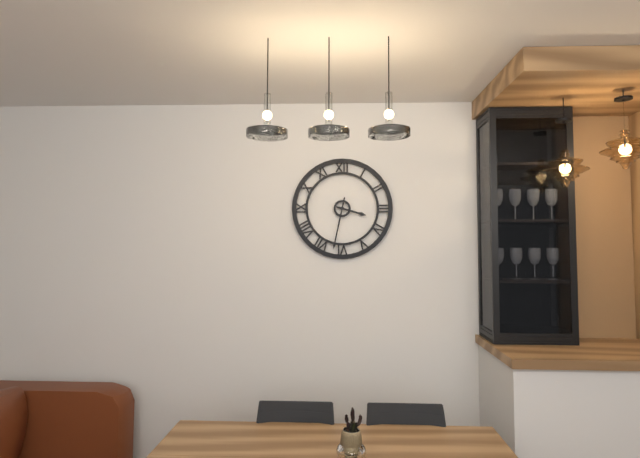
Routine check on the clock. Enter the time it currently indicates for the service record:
3:32
